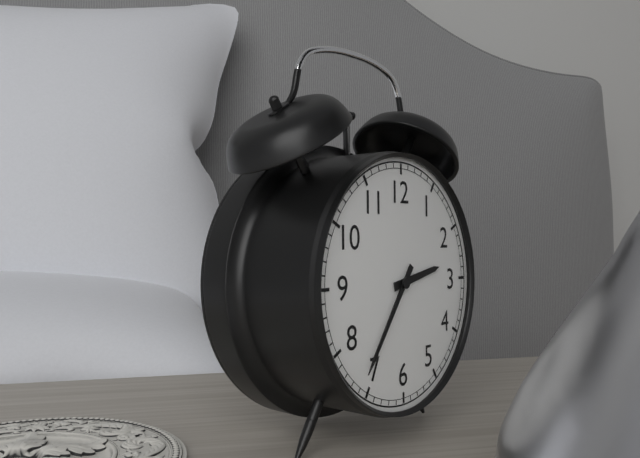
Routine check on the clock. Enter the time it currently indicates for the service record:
2:36
